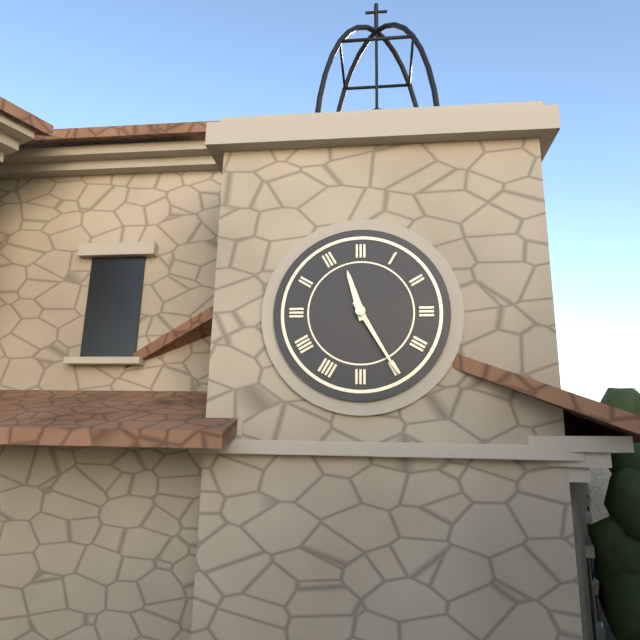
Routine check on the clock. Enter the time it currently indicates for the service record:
11:25
